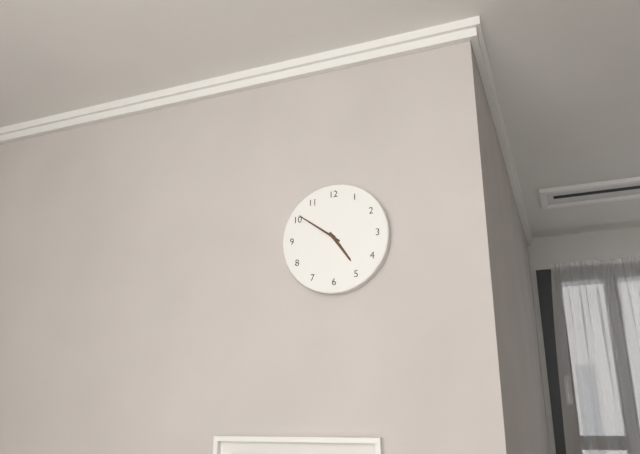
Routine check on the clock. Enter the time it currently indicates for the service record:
4:51
